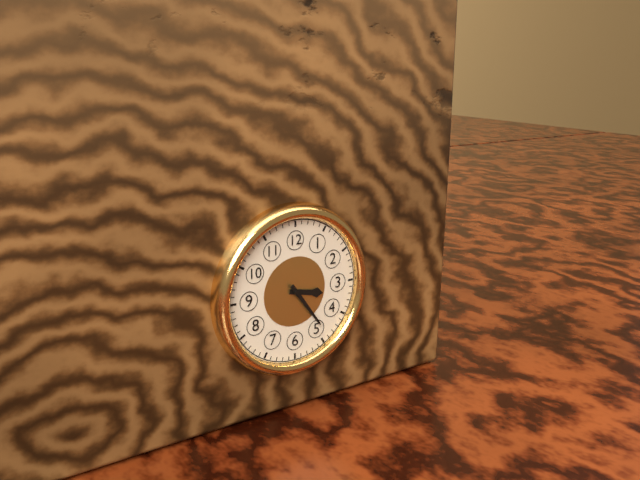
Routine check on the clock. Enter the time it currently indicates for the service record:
3:24
